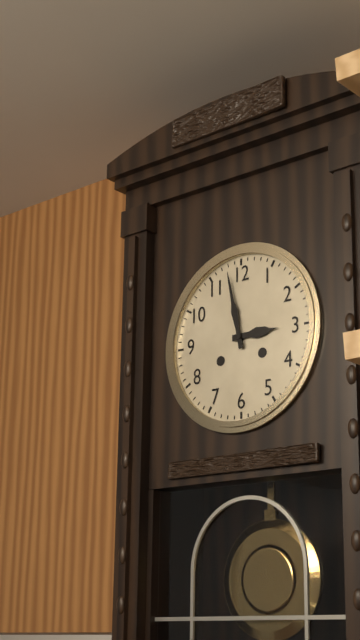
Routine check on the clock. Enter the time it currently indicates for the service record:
2:58
